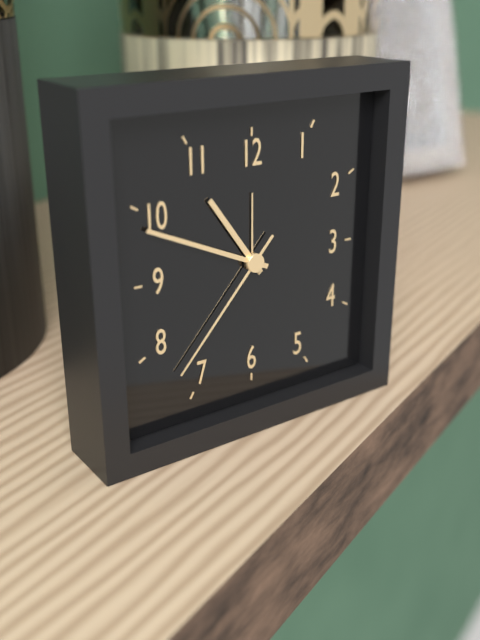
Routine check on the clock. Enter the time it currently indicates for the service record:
10:49:37
